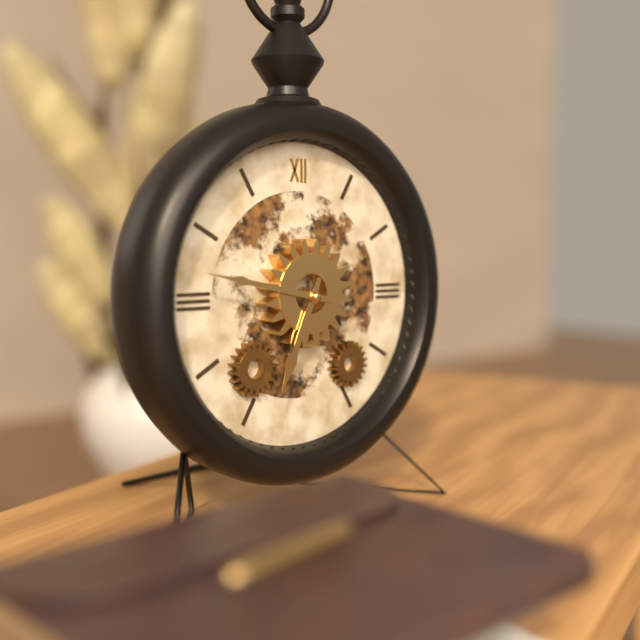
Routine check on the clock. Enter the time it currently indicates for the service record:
6:47
